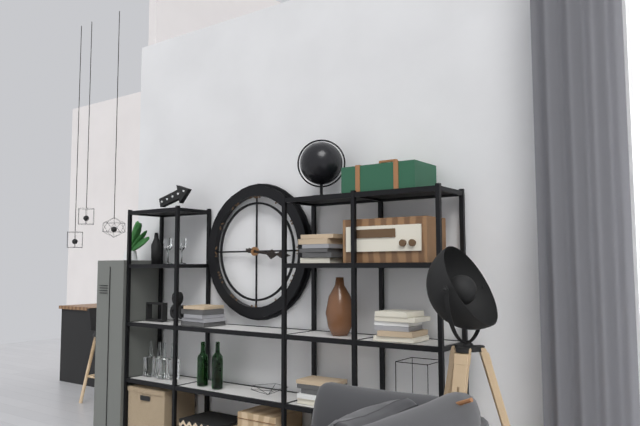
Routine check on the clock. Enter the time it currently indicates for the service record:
3:16
